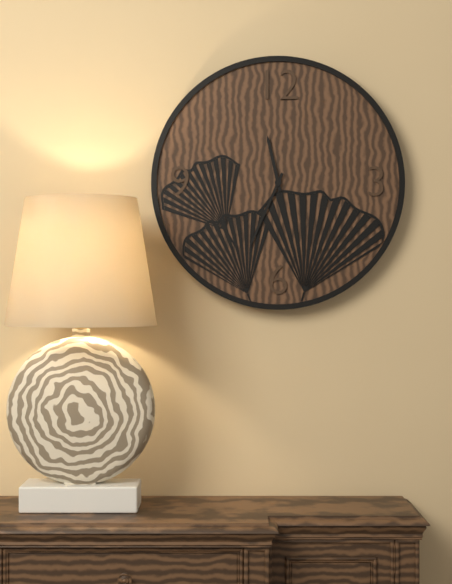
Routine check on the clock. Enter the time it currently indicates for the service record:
11:34
